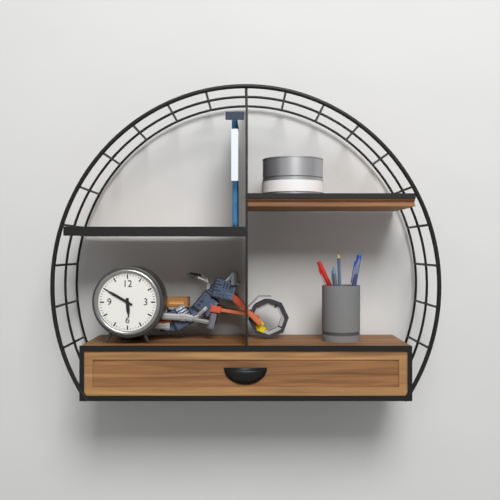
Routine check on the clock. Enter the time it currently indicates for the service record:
5:50
